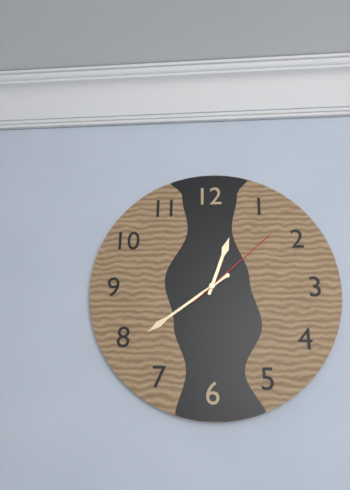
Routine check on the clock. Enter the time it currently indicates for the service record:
12:39:08
